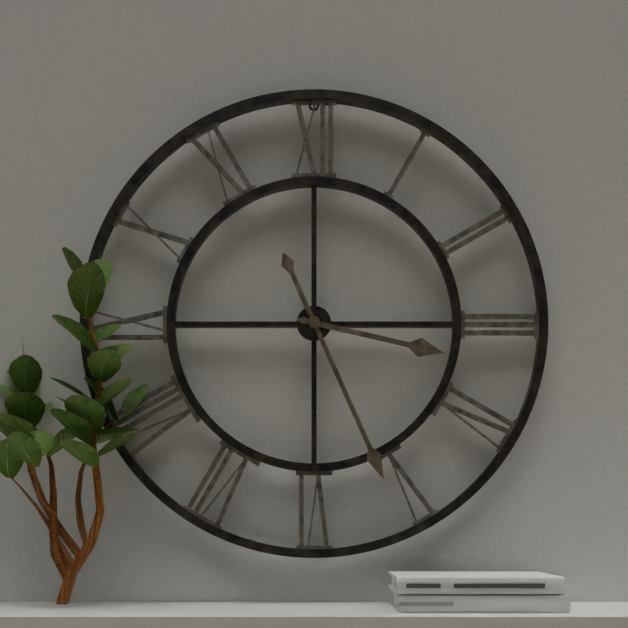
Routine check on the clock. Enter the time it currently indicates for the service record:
3:26
